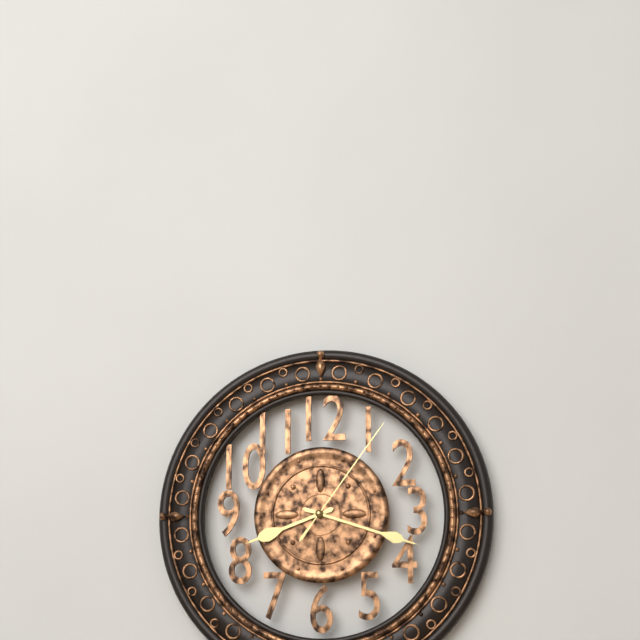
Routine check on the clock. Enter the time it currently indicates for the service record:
8:18:06
